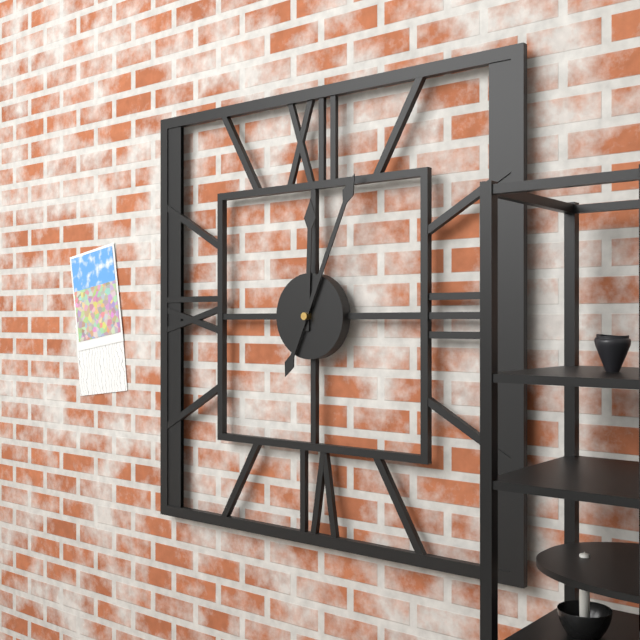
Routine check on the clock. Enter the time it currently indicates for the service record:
12:04
